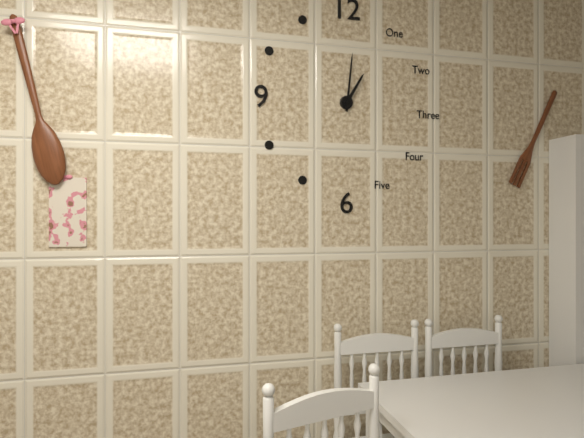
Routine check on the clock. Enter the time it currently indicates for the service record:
1:01
